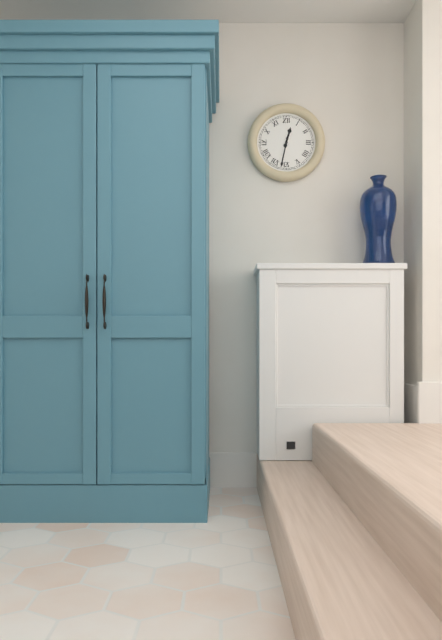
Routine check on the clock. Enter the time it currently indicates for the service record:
12:32
